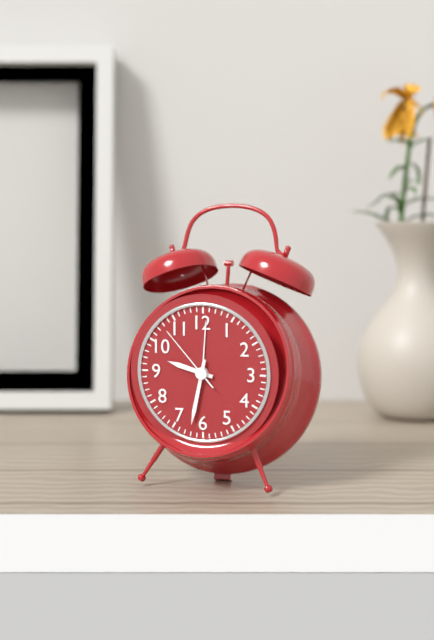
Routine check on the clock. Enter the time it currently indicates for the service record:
9:32:53
